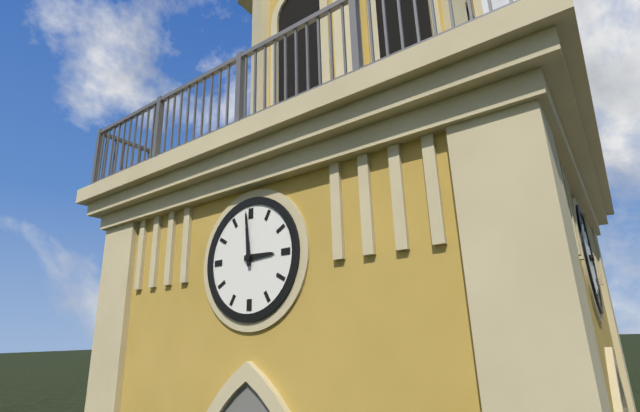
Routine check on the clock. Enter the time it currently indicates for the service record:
2:59
